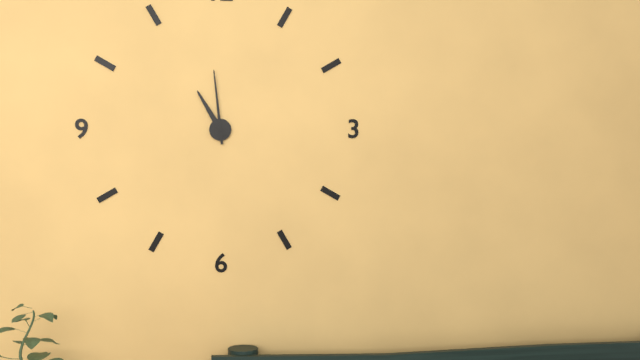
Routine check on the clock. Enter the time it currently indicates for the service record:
10:59
